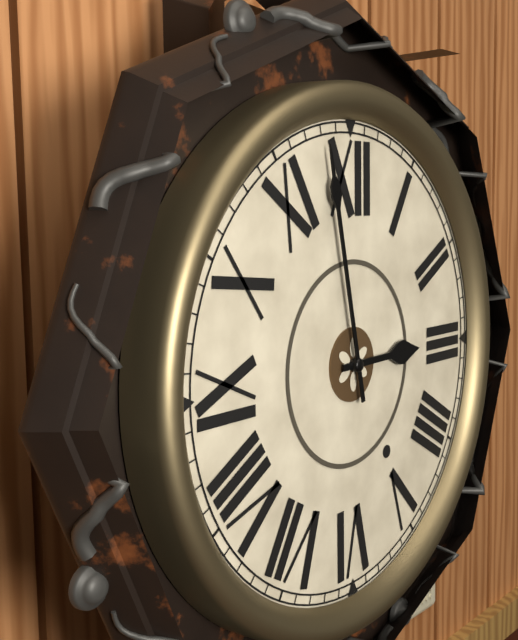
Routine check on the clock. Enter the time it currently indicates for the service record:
2:58
